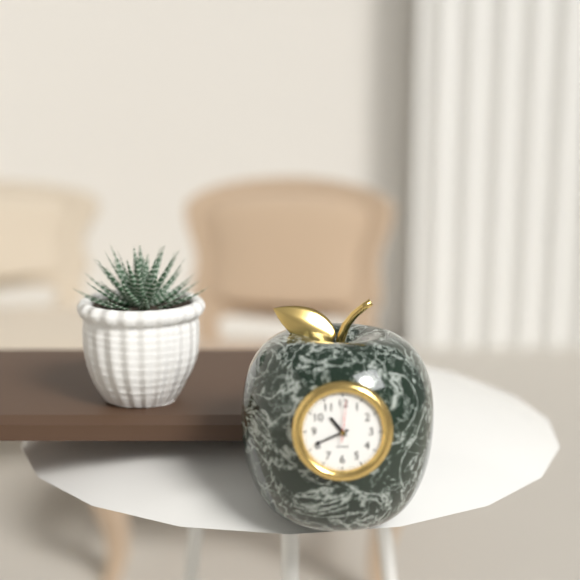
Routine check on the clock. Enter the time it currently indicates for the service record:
10:41
